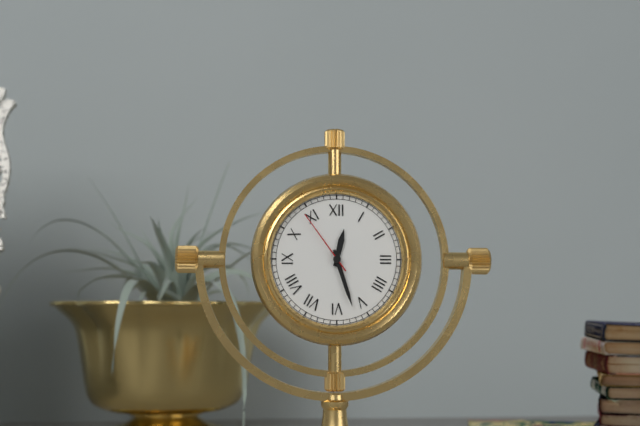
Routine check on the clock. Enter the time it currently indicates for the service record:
12:27:54
